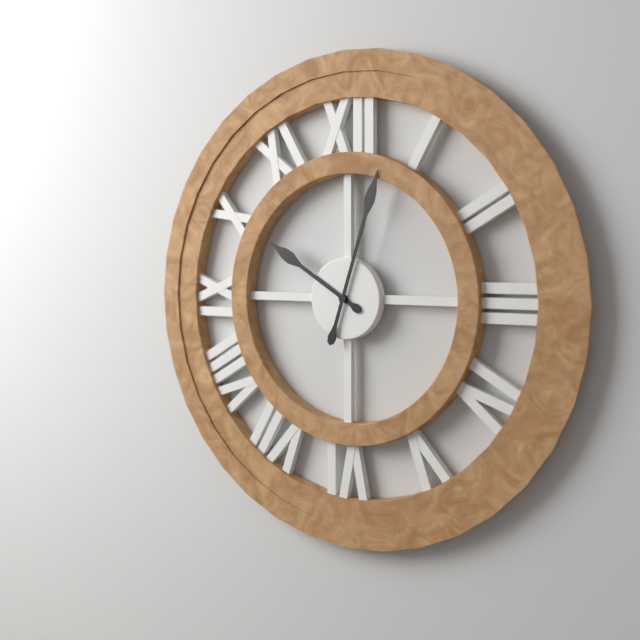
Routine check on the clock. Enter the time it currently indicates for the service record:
10:03
